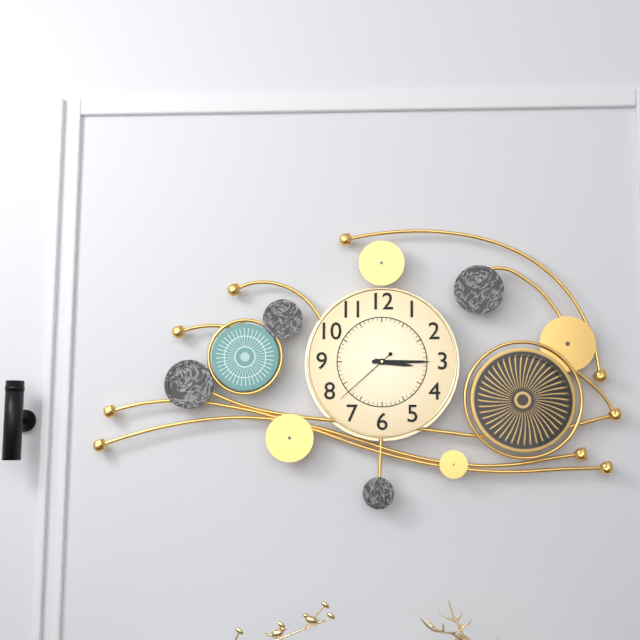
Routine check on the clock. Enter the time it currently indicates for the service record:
3:15:38
